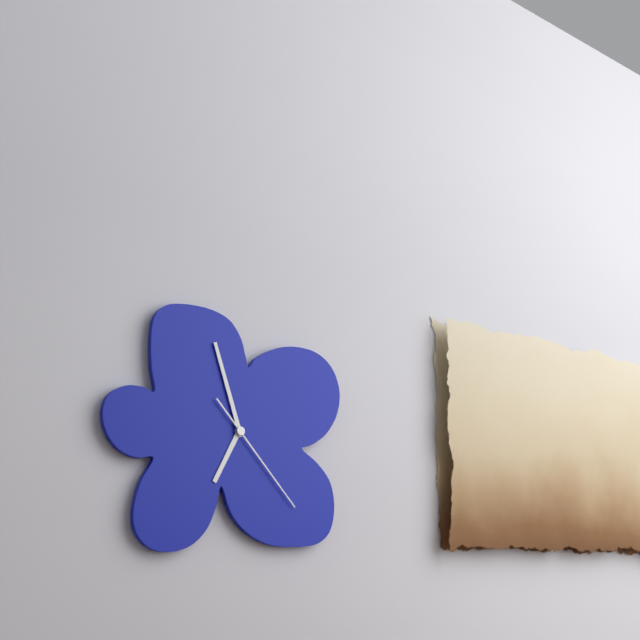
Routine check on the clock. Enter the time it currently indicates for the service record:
6:57:23
